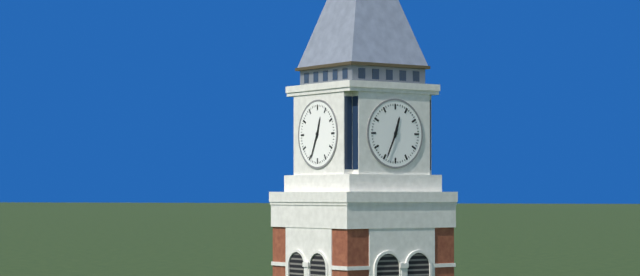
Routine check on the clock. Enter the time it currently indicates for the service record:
12:34
